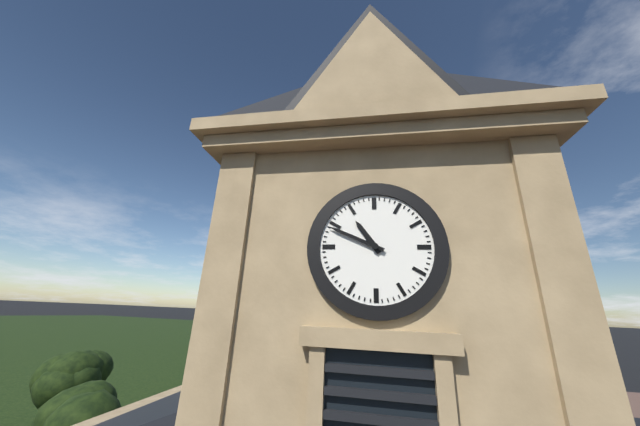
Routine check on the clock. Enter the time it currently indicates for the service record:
10:49
